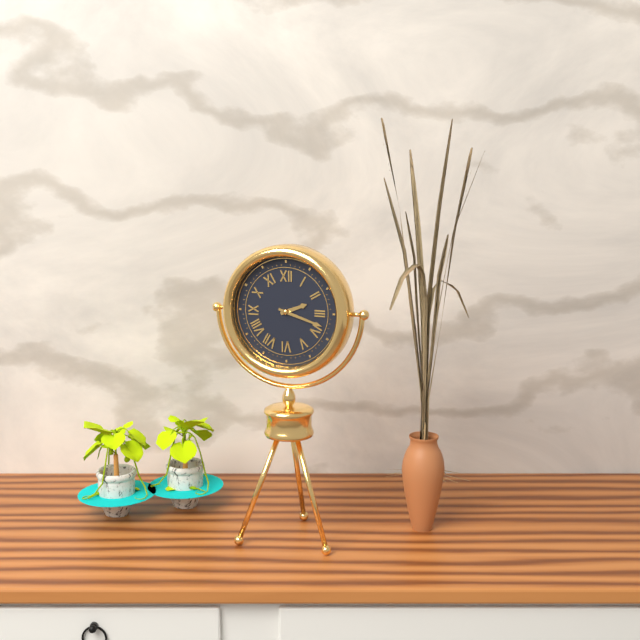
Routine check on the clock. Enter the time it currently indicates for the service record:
2:18
